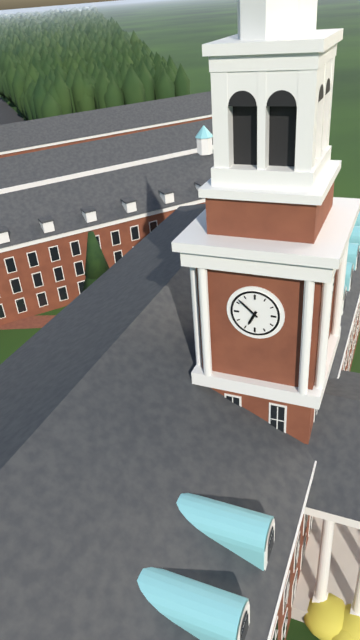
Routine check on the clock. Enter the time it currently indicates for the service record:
6:52
